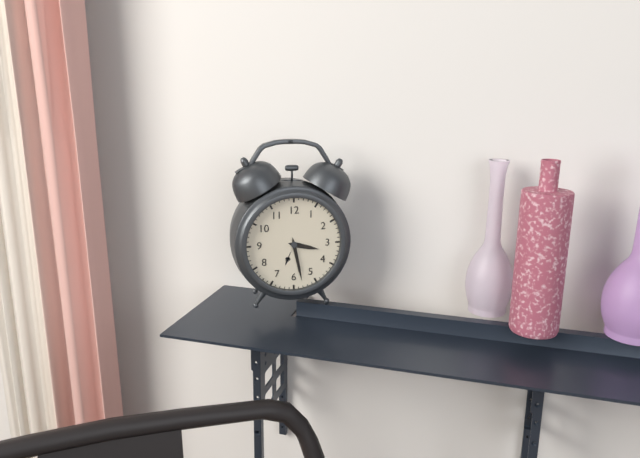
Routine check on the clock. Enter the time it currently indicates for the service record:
3:28
